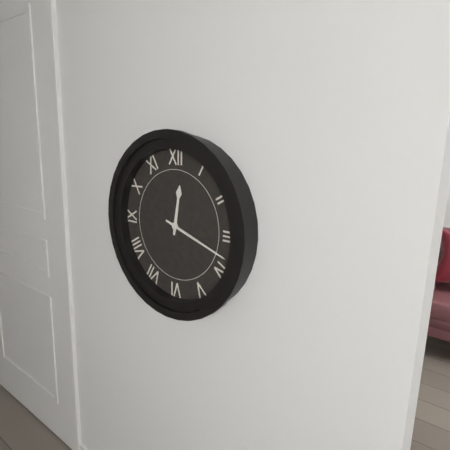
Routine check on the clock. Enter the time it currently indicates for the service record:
12:18
